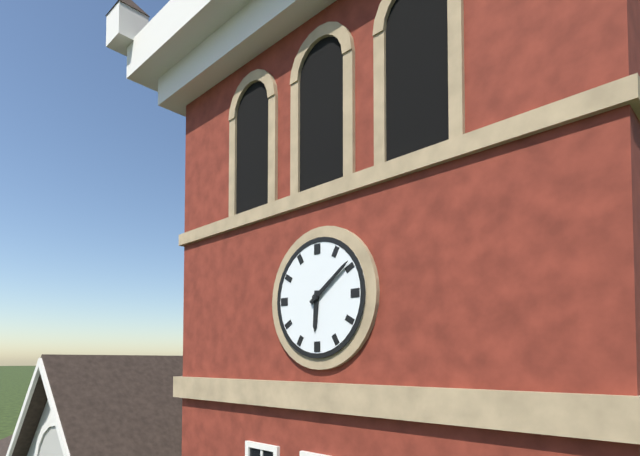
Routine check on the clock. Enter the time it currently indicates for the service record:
6:09
